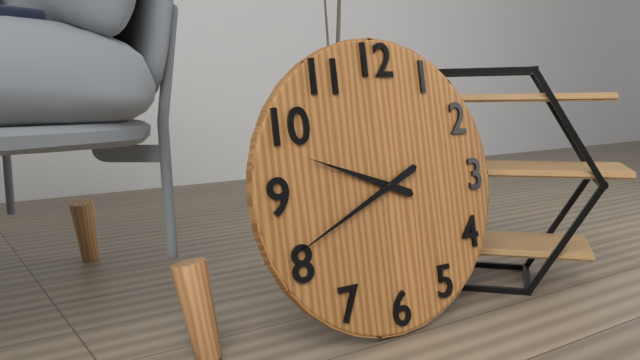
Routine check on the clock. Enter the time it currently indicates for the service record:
9:41
